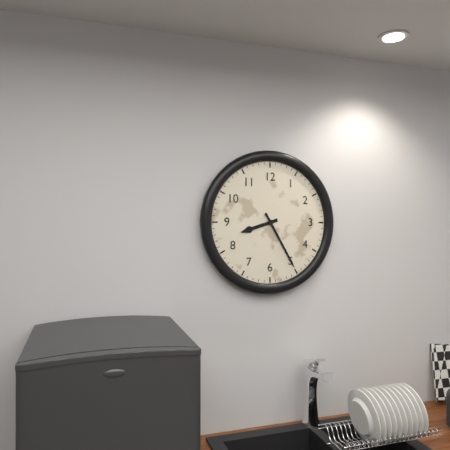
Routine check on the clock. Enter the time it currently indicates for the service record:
8:25
